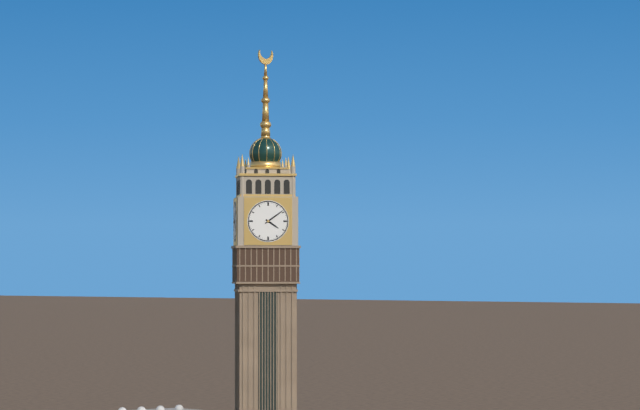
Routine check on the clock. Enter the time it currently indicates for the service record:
4:09
